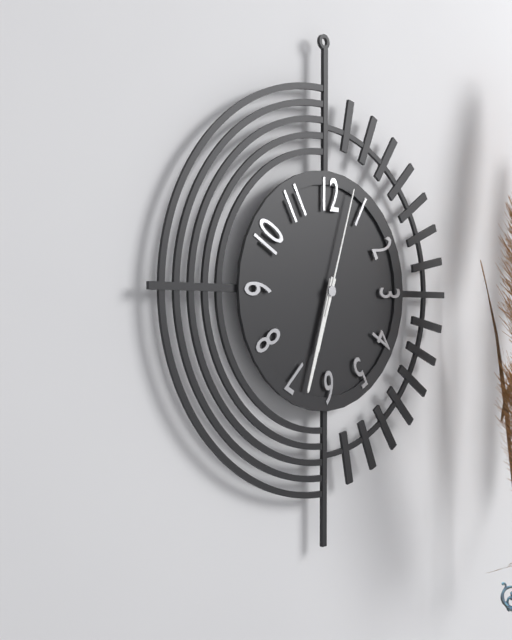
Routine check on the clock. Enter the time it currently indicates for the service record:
6:33:03
